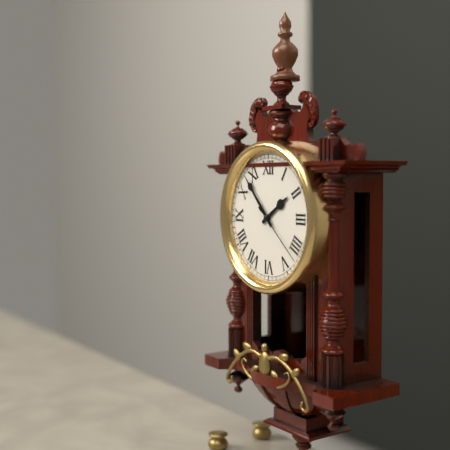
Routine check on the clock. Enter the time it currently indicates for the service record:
1:53:22
